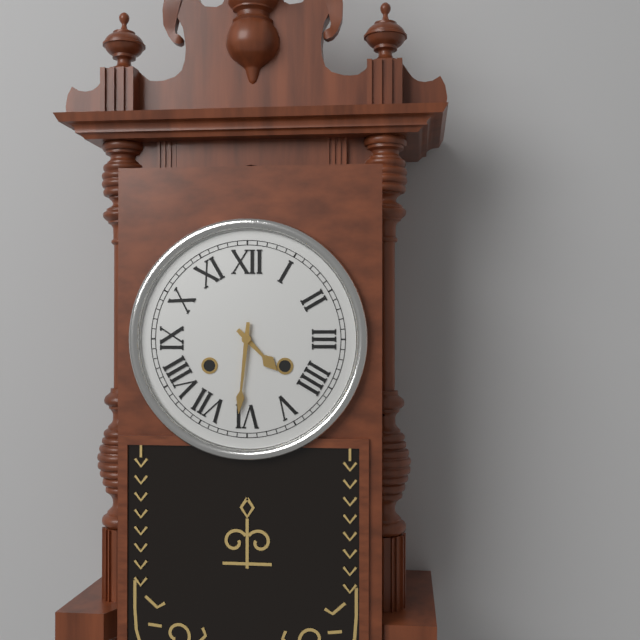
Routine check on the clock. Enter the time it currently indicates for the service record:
4:31
